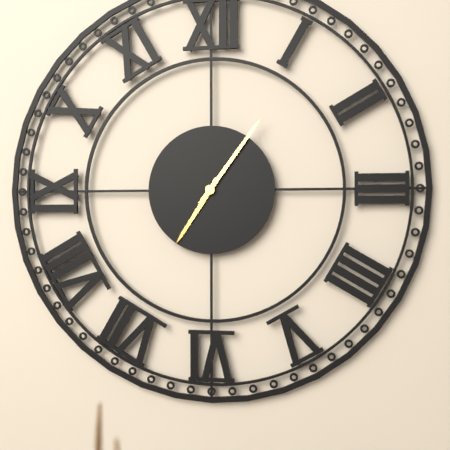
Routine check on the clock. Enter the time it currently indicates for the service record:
7:06
